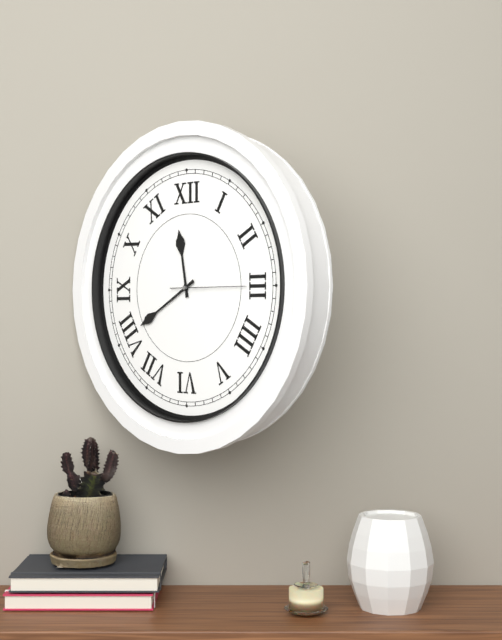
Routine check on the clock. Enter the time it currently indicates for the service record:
11:40:15
